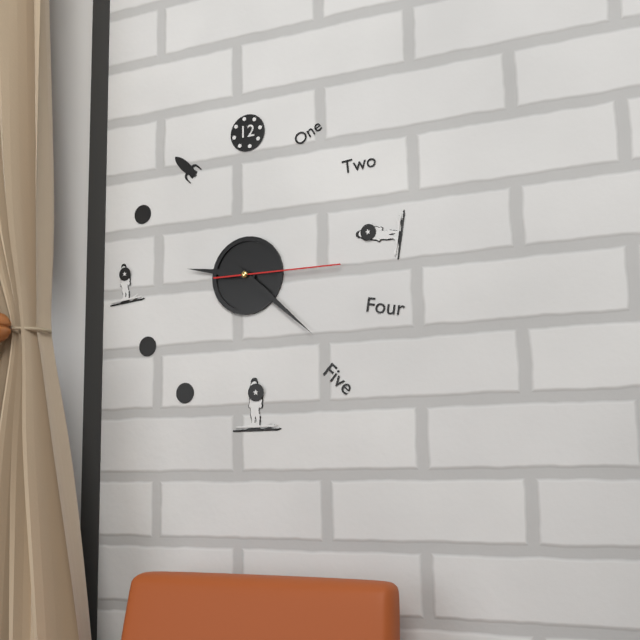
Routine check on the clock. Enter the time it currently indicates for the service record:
9:22:15
